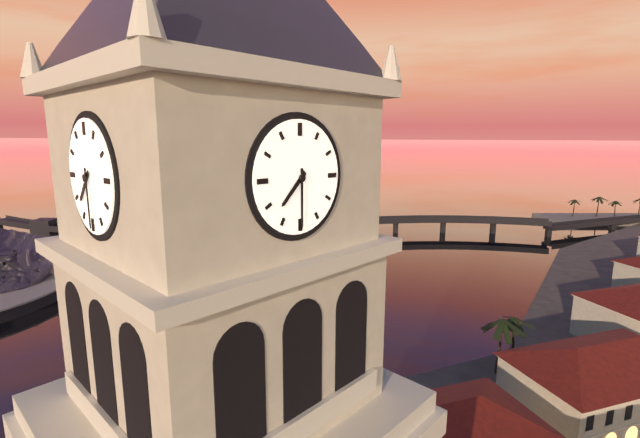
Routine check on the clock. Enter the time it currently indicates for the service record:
7:30
